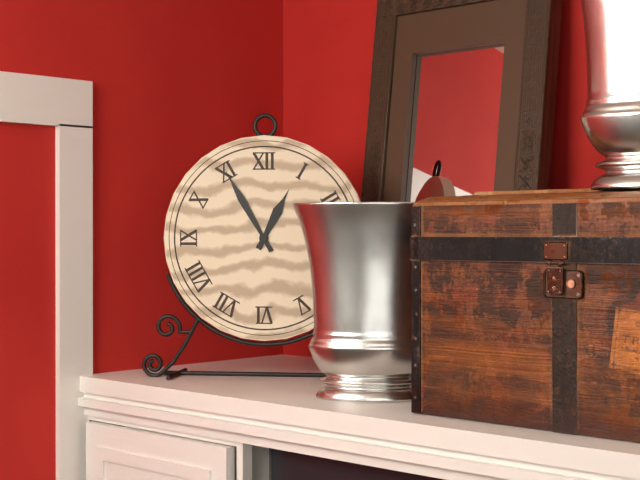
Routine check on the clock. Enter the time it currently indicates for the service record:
12:55
